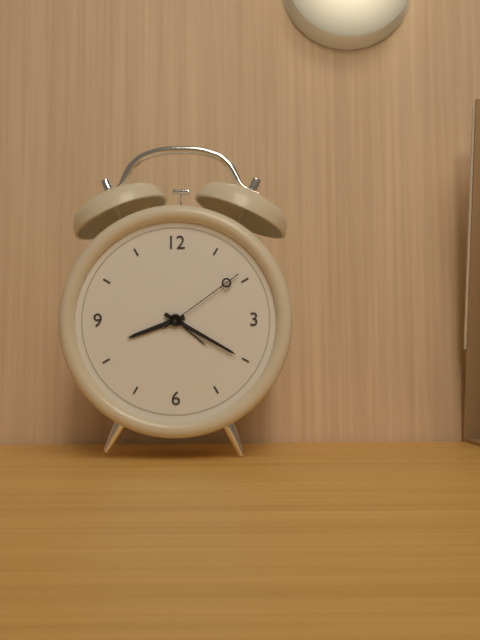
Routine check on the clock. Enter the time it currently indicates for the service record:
8:20:09
